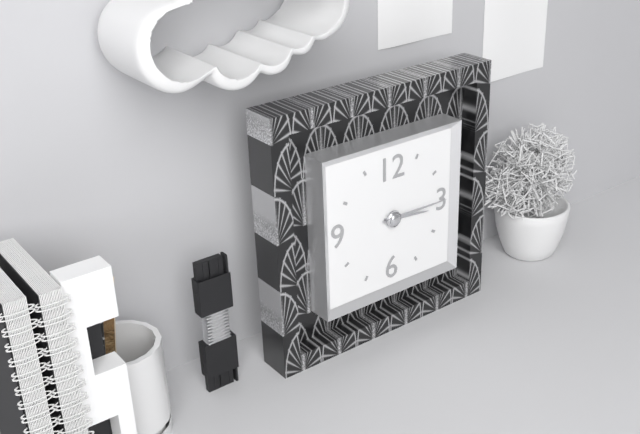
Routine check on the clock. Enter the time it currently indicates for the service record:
3:15
